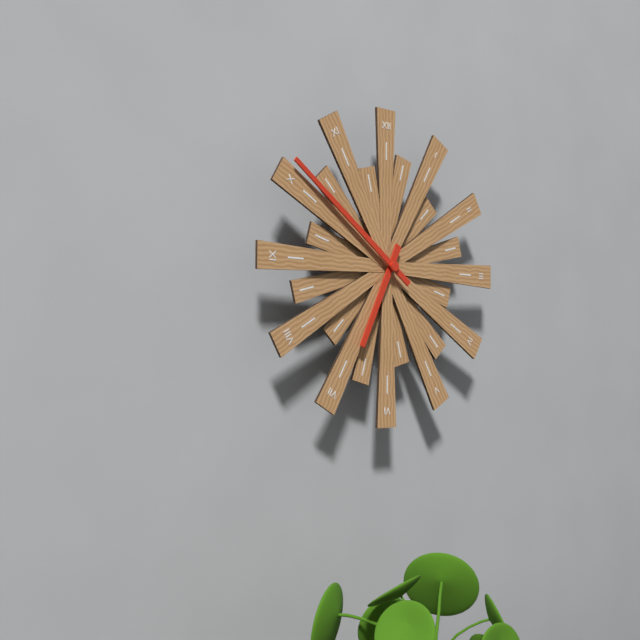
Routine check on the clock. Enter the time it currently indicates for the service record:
6:51
